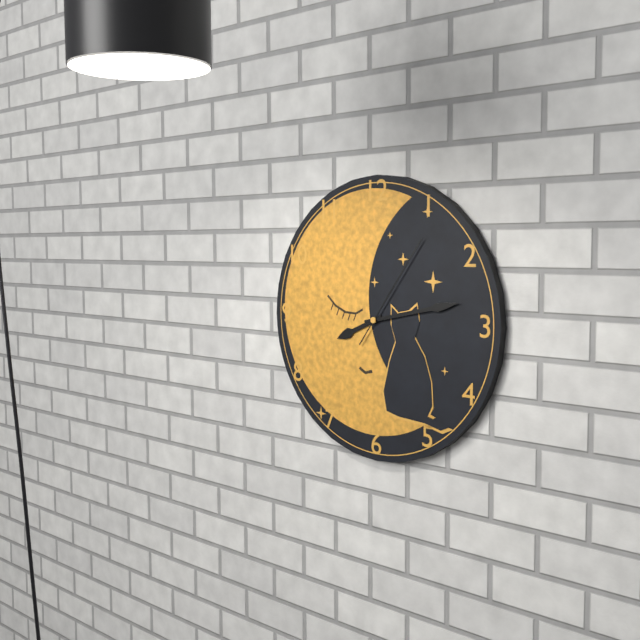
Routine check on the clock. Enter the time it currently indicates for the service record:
8:13:06
